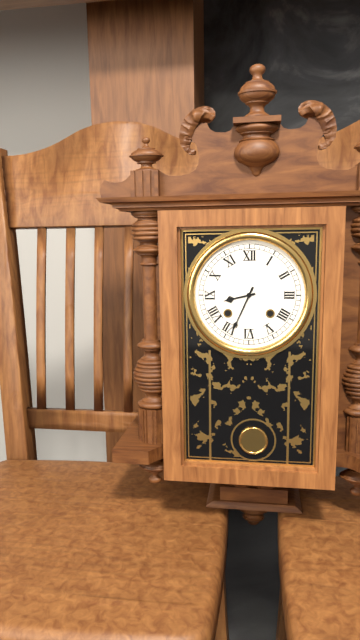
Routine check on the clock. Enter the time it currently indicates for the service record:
8:34
